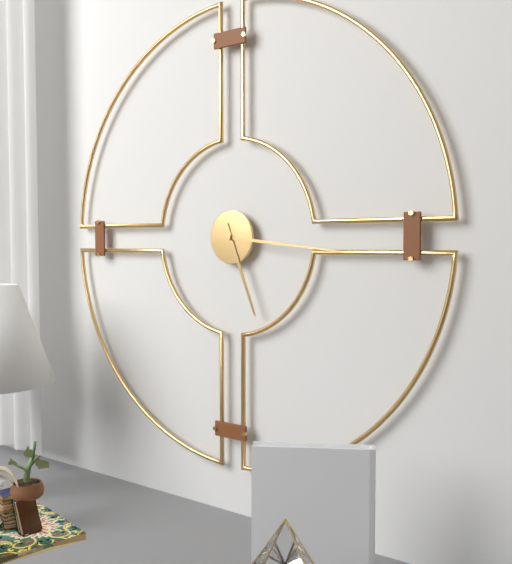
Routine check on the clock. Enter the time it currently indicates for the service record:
5:16
